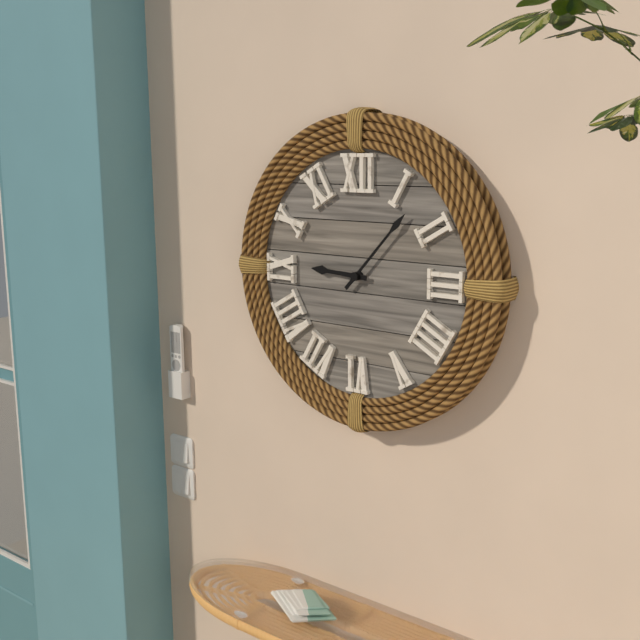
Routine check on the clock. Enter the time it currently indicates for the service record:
9:07
